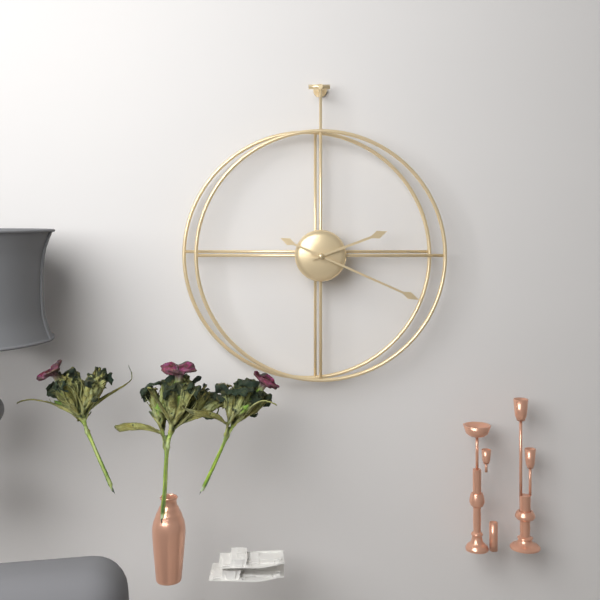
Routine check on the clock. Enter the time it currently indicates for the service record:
2:19
